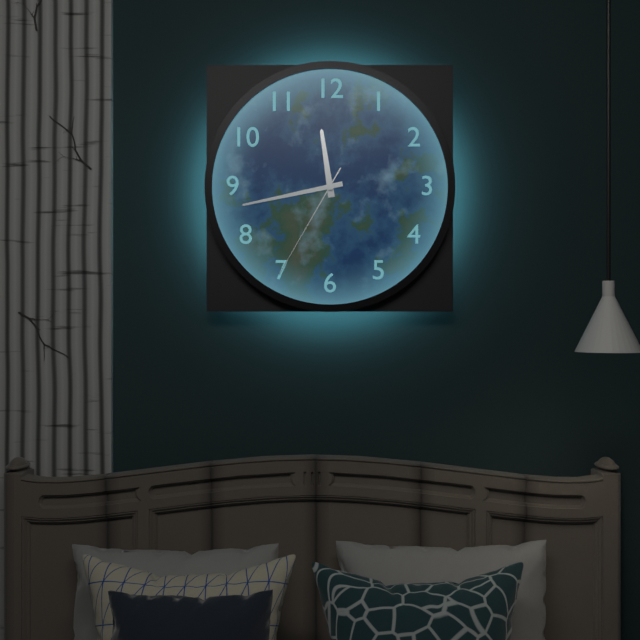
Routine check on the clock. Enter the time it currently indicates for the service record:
11:43:35
